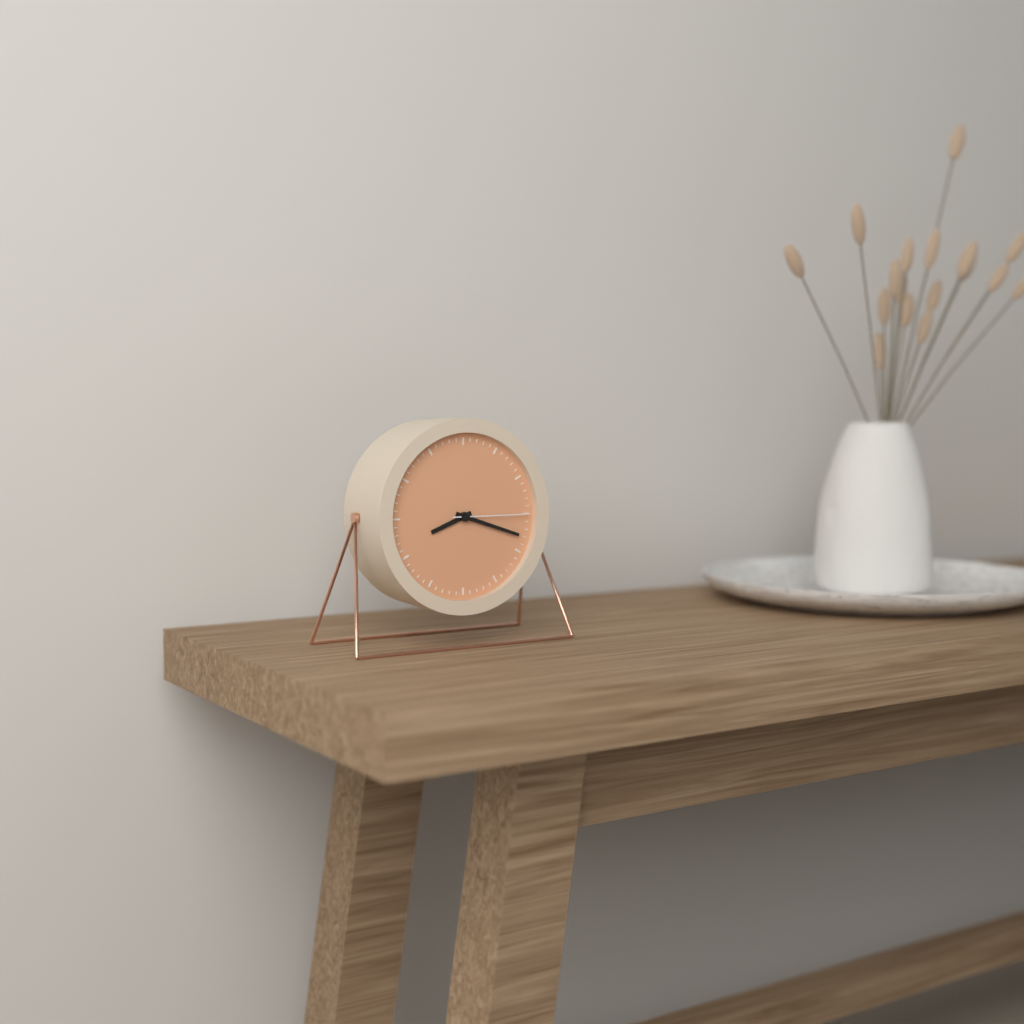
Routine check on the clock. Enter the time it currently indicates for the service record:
8:18:15
